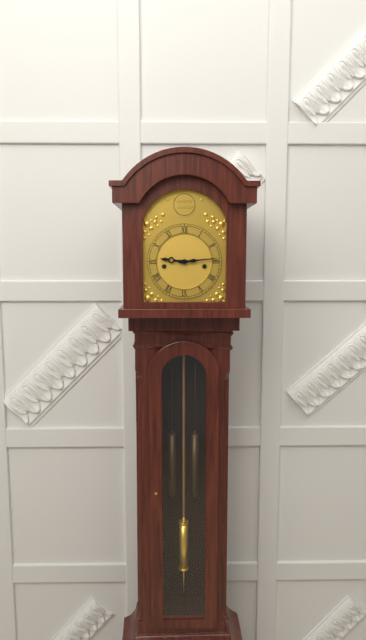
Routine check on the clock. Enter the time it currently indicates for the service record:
9:14
